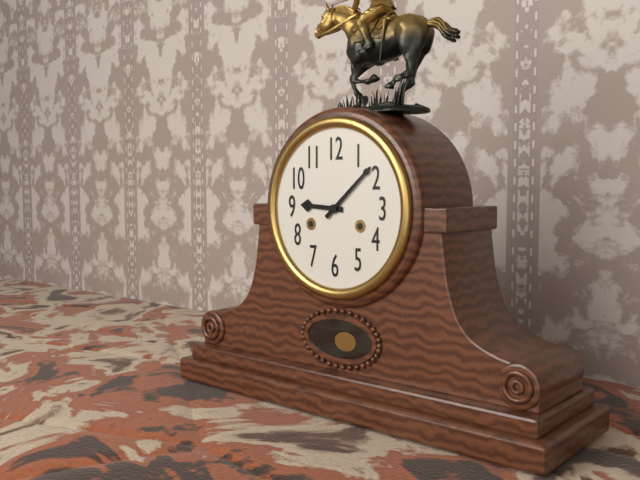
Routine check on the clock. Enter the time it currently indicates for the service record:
9:08
